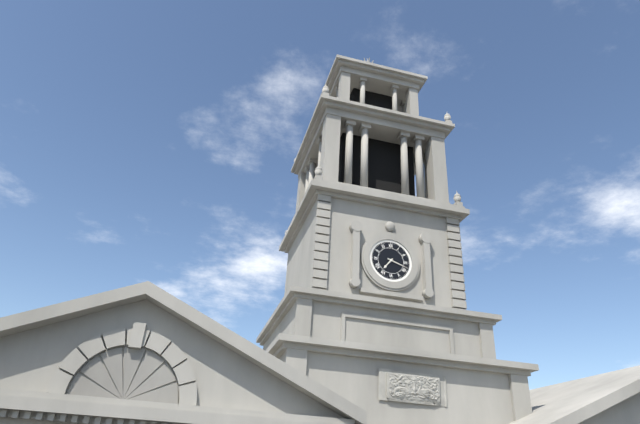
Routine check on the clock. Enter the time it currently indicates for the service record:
7:18
